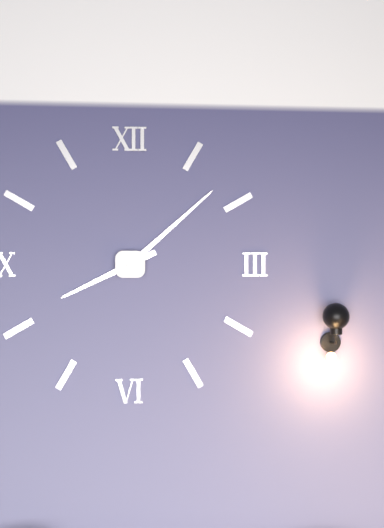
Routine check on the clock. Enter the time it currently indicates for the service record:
8:08
